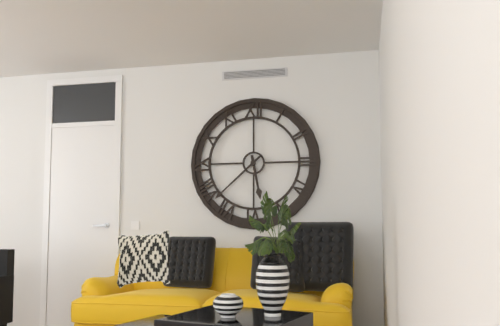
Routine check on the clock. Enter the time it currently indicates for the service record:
5:38
